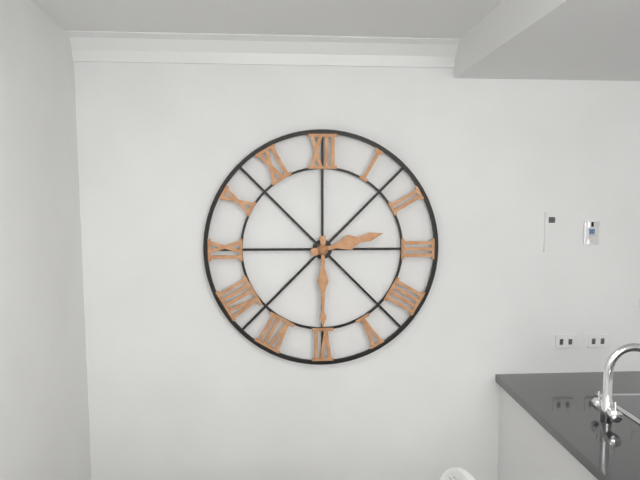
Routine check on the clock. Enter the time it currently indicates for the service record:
2:30
